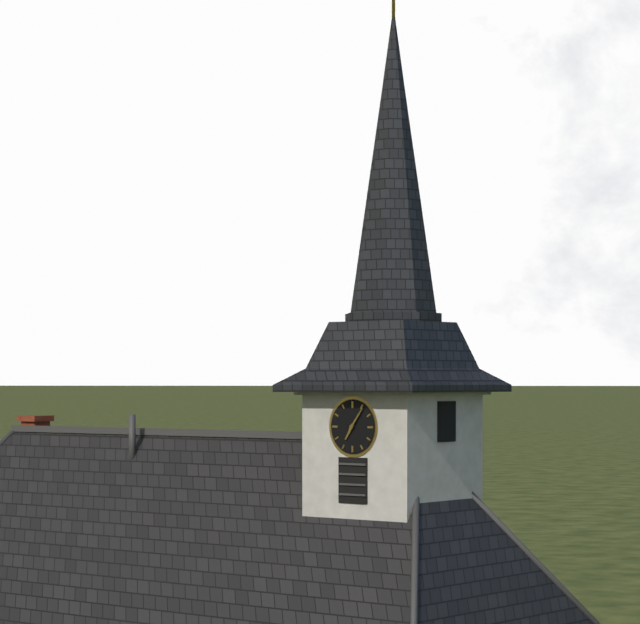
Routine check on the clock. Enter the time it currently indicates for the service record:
7:06
